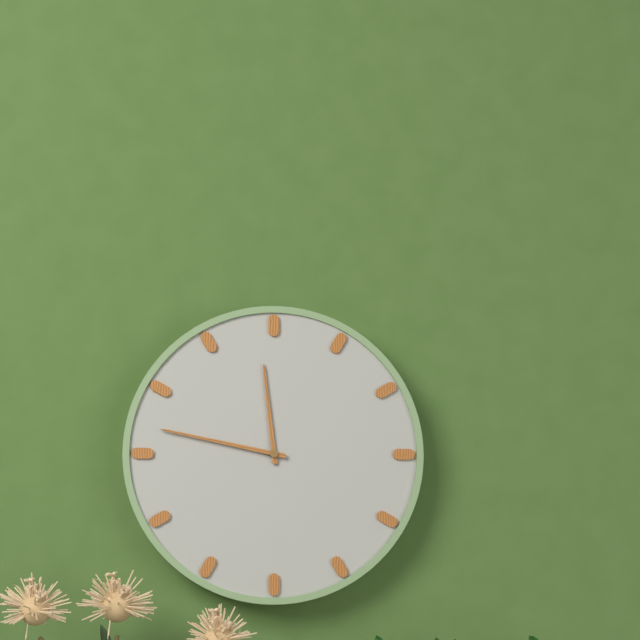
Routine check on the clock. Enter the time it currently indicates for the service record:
11:47
